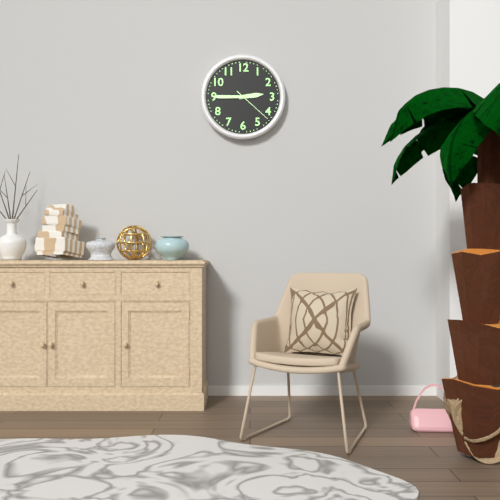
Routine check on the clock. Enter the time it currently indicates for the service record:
2:45
